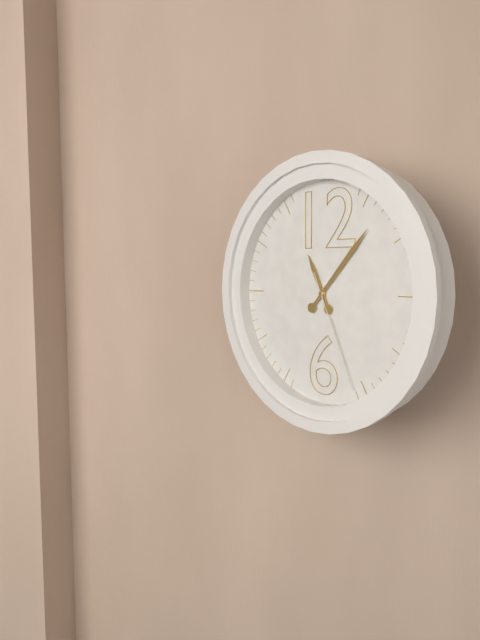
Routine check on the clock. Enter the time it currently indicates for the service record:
11:07:26
